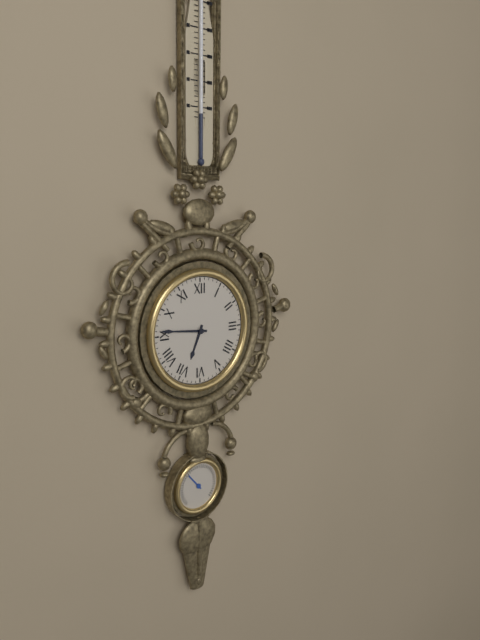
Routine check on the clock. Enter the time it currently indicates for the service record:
6:46
